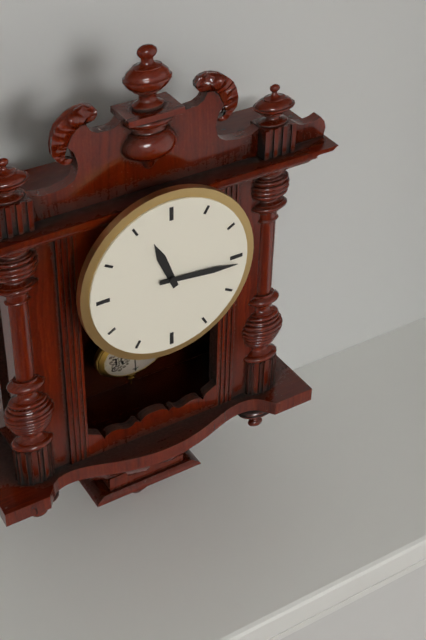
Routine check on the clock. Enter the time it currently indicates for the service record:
11:16
